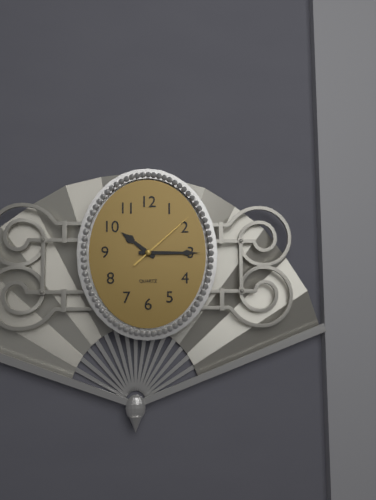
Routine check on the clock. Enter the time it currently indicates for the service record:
10:15:08
